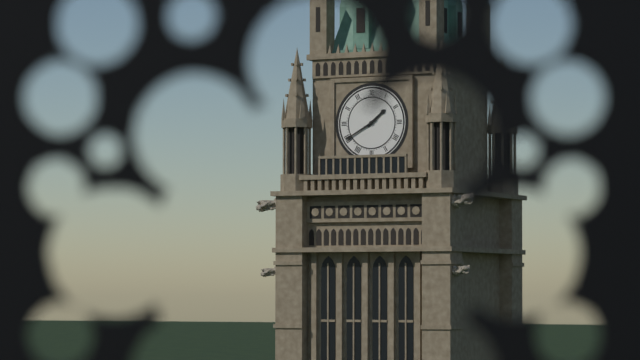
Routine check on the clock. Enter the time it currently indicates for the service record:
1:40
